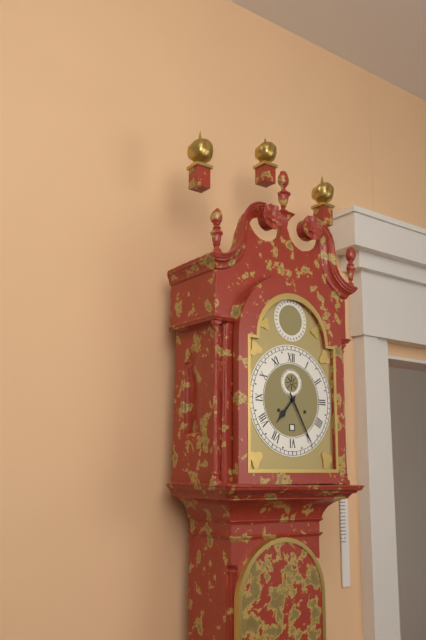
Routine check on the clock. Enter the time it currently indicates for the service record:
7:25
